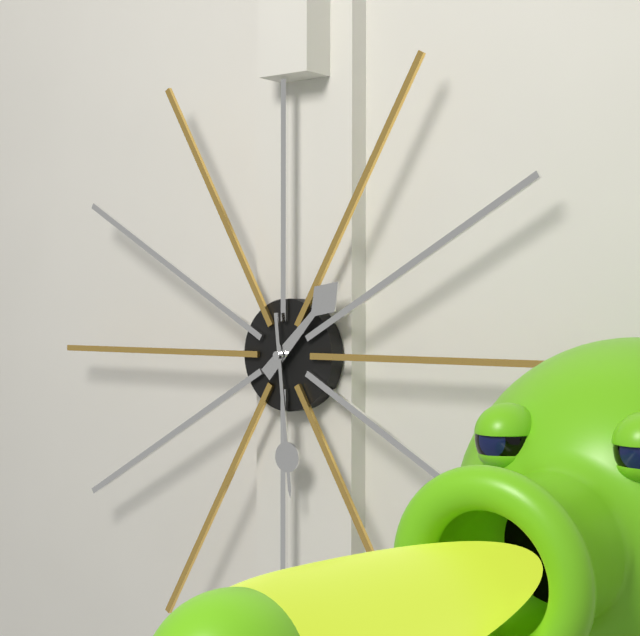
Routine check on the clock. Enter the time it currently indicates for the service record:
1:29
